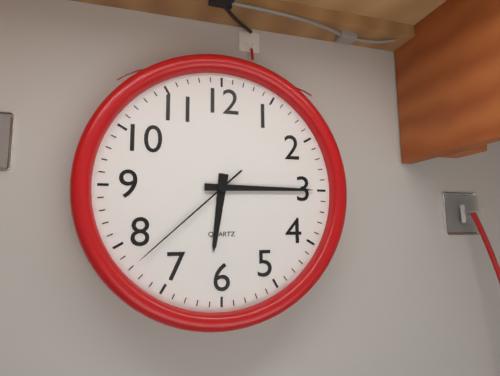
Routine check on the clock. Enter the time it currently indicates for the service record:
6:15:38
